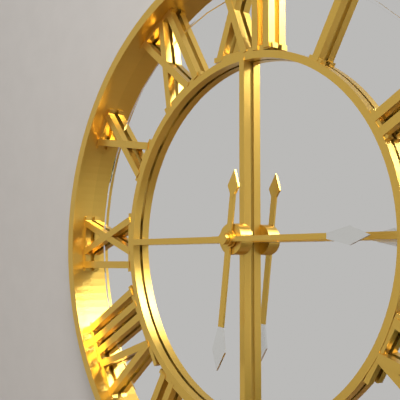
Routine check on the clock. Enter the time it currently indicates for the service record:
6:15
